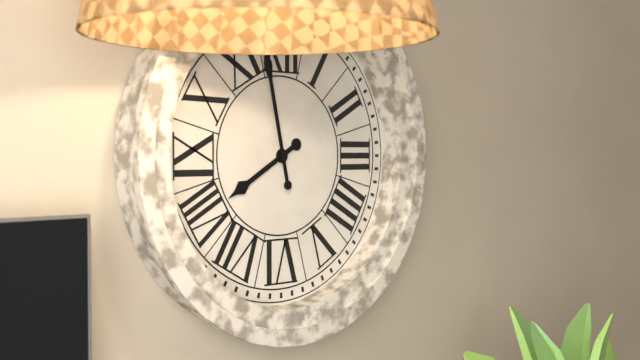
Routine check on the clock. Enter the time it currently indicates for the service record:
7:58
